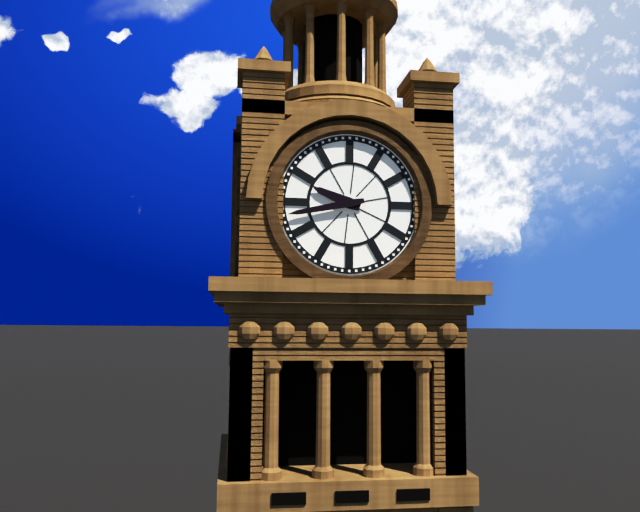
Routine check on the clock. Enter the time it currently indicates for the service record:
9:43
